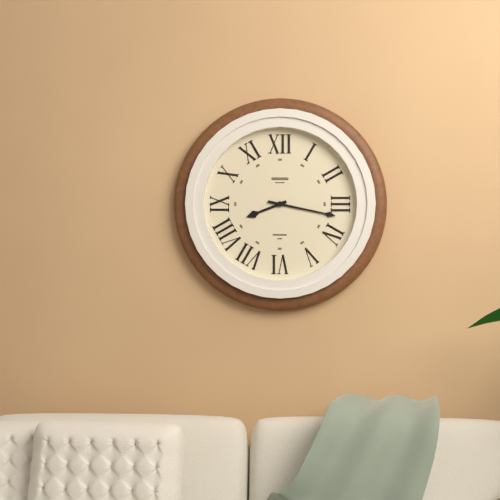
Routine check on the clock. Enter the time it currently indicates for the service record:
8:17
